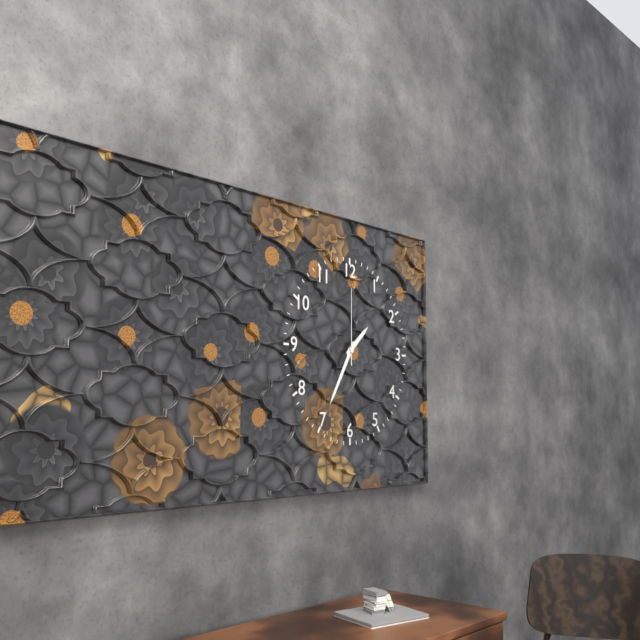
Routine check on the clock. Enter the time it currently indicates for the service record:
1:35:00
